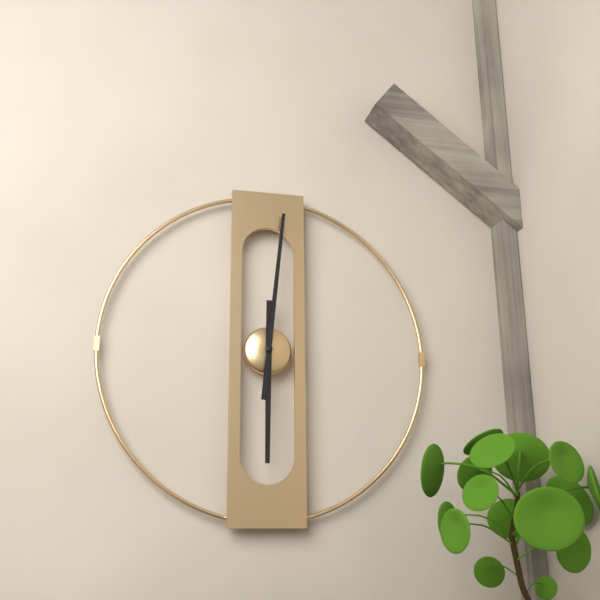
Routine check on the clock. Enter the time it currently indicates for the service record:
6:01
